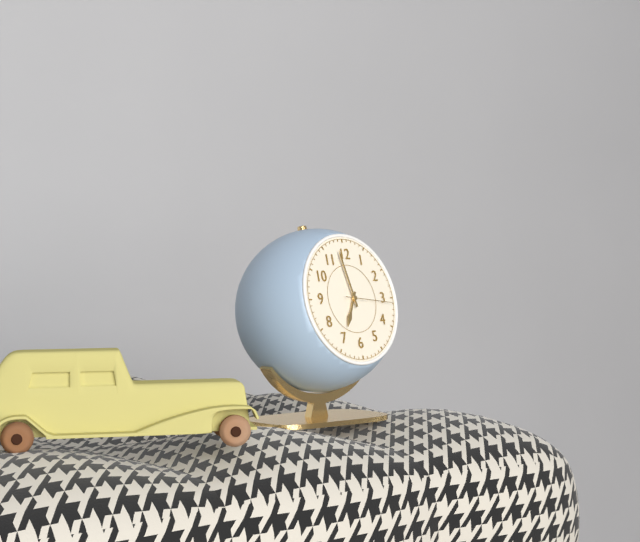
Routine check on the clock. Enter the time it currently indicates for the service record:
6:58:16
